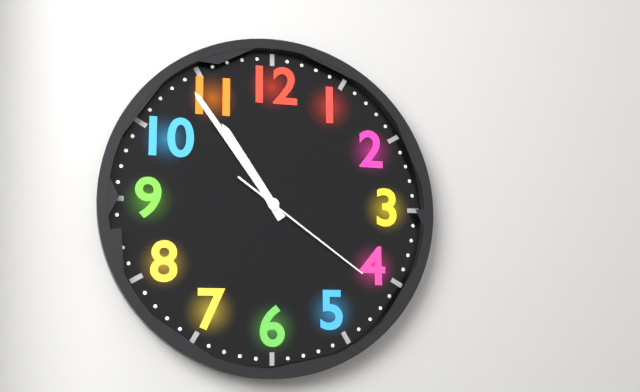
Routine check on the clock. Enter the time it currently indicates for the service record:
10:54:21
